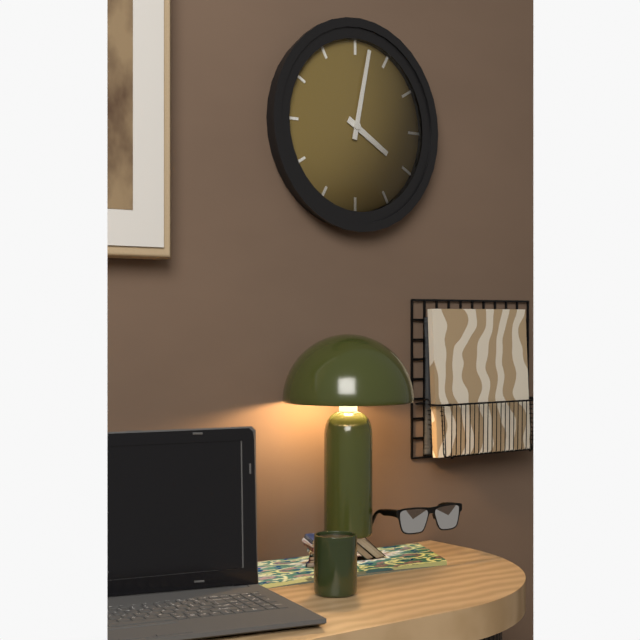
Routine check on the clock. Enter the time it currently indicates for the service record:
4:02
